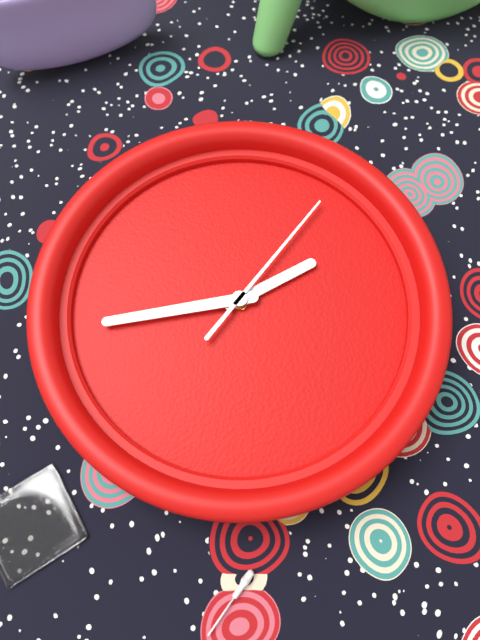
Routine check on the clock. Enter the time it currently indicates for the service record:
2:47:10
